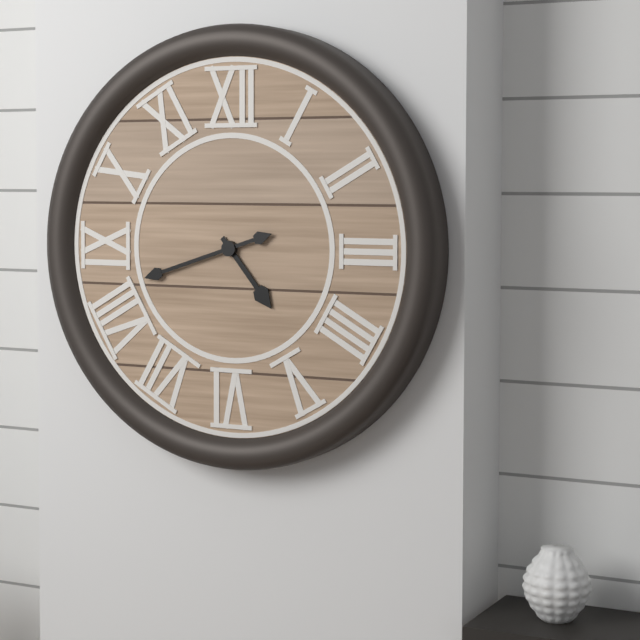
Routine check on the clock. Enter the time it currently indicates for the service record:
4:42
